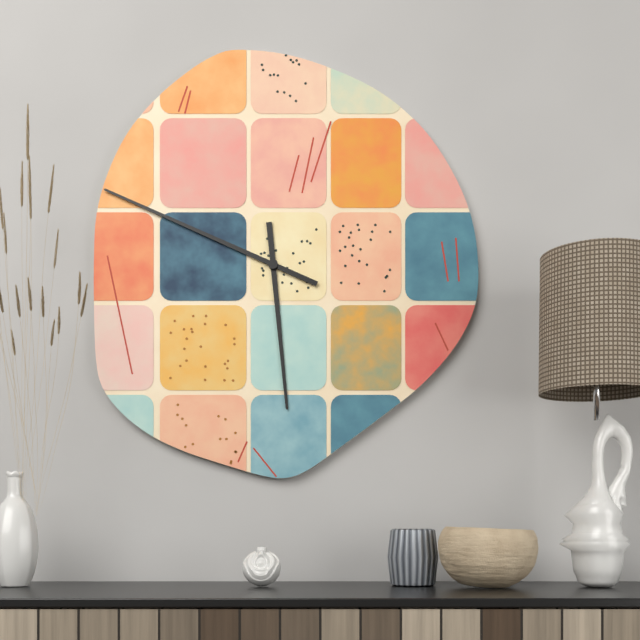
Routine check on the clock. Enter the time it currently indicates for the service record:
5:49
